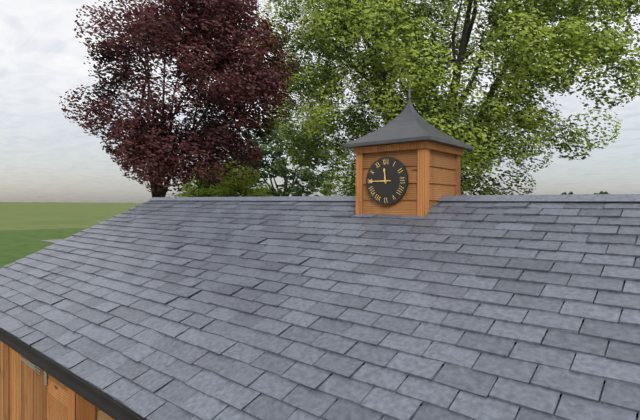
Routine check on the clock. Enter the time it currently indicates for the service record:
11:45
